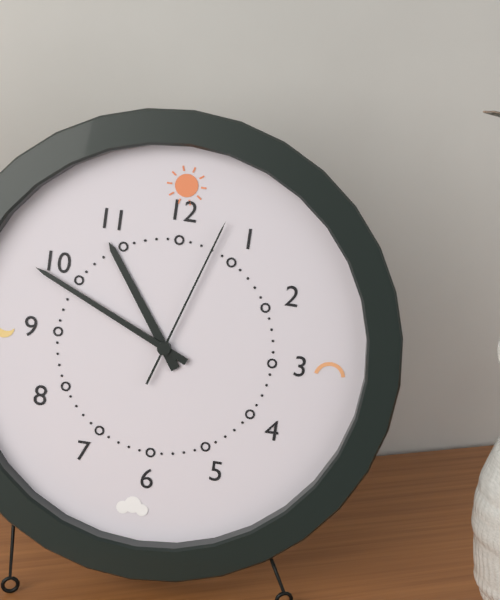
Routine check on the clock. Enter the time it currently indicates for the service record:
10:49:03
